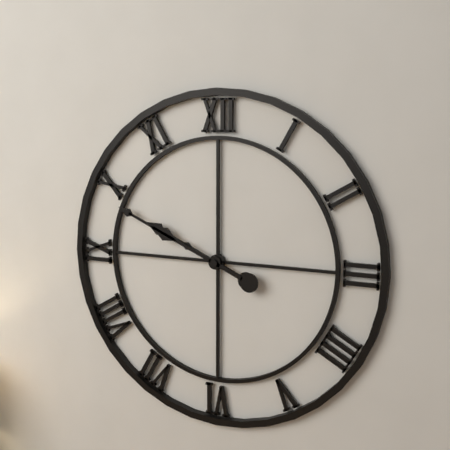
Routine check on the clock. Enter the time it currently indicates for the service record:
9:49
